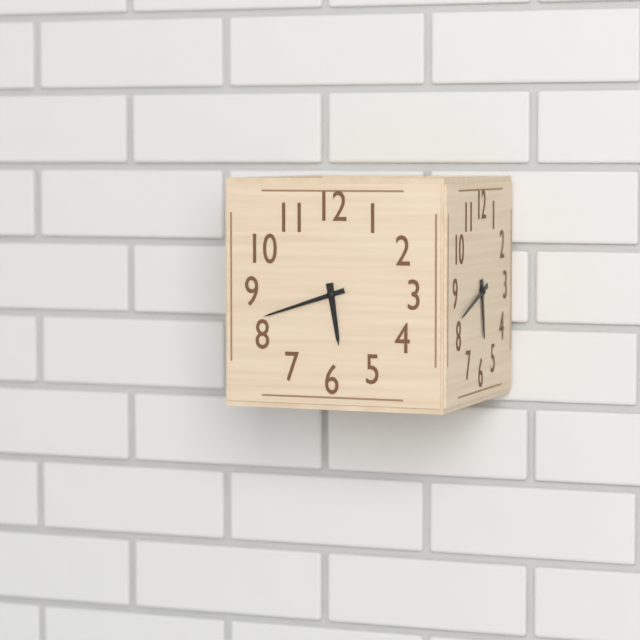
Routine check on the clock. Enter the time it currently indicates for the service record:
5:42
